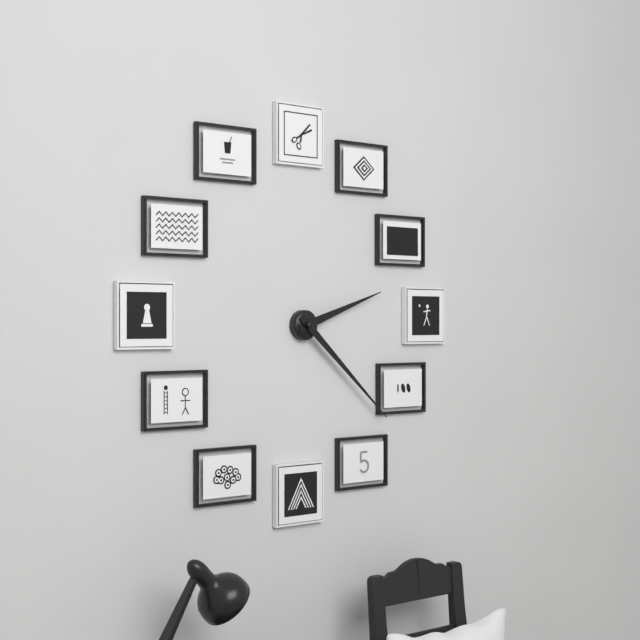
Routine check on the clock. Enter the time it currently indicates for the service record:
2:22
